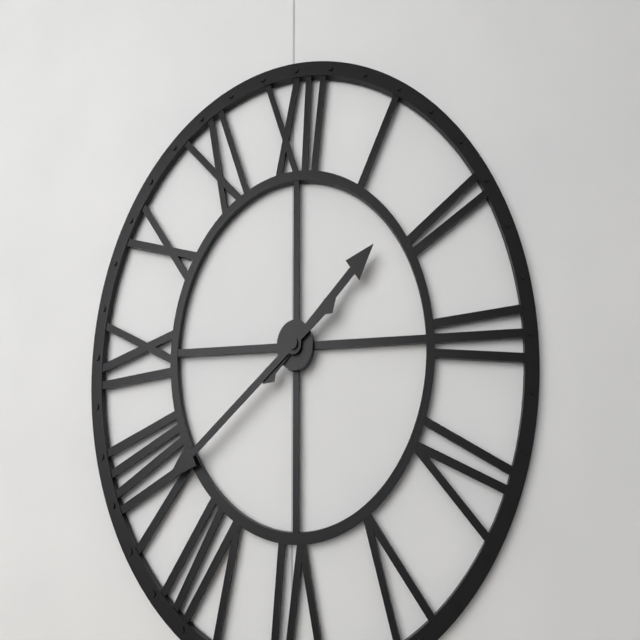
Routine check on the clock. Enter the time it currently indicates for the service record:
1:39
